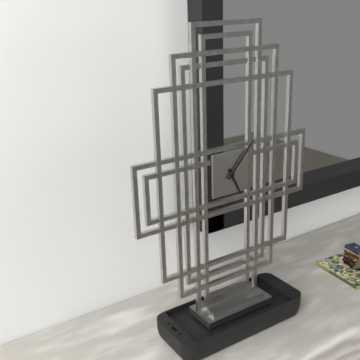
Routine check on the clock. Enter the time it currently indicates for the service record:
5:07
